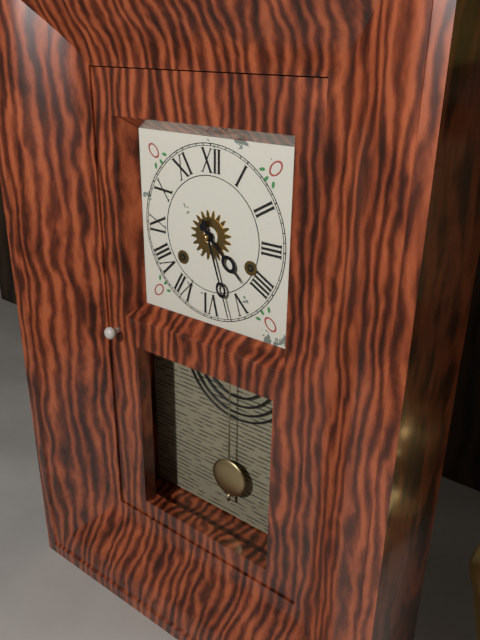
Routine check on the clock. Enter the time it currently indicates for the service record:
4:27
